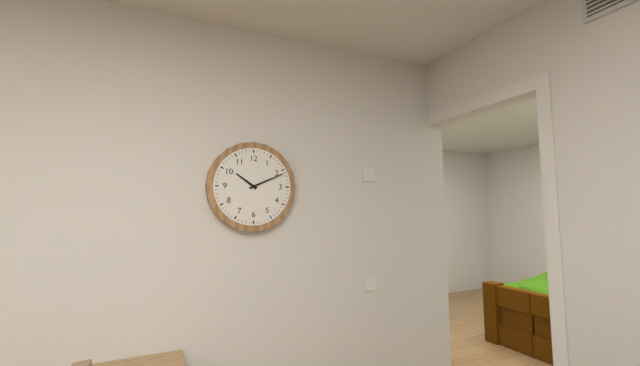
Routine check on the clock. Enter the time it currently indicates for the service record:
10:11
